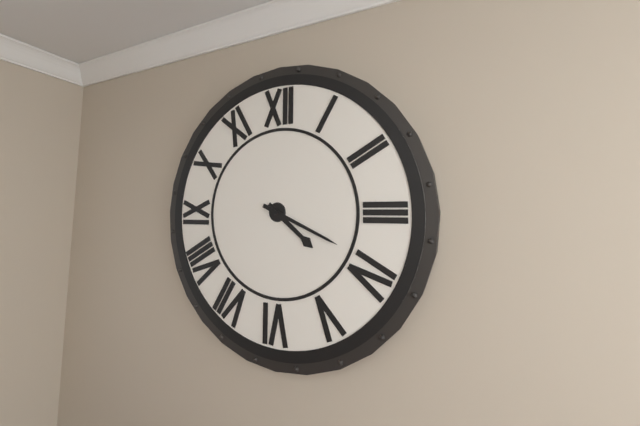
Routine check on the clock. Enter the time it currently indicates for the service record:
4:19
